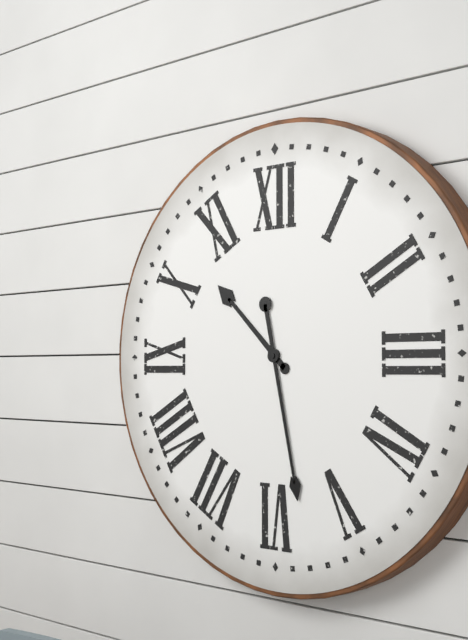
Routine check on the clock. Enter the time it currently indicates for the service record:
10:28
